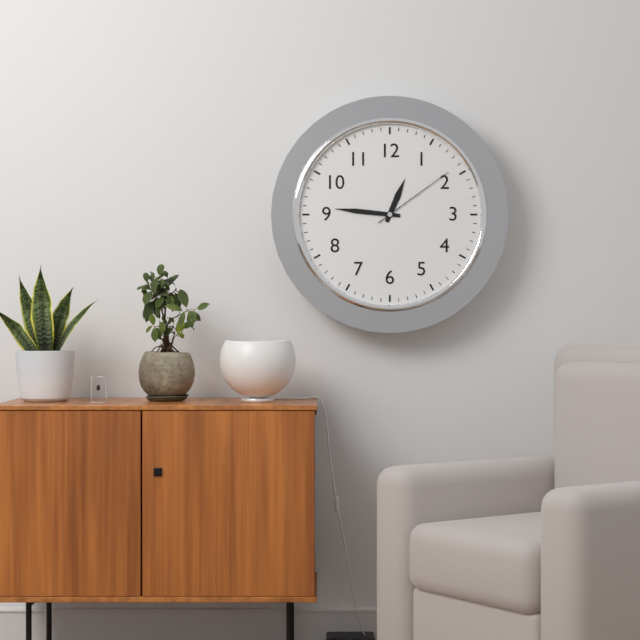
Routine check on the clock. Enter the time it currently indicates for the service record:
12:46:09
